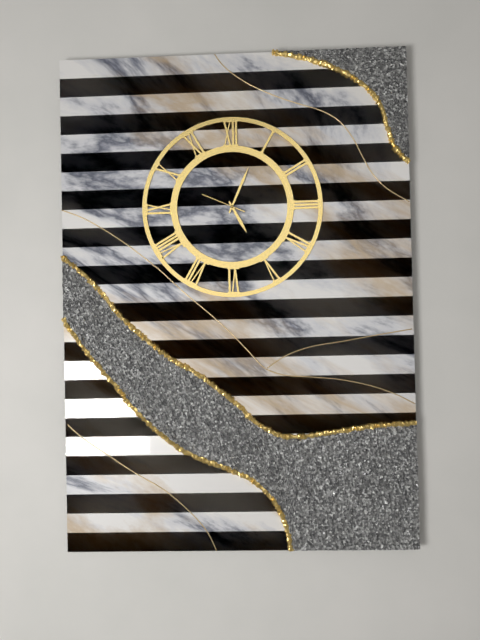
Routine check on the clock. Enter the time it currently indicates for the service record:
5:04
